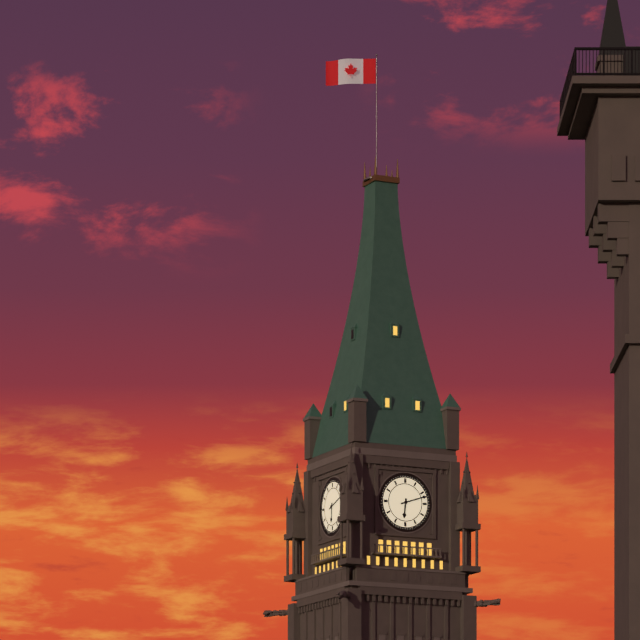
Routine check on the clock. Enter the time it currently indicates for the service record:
6:12
